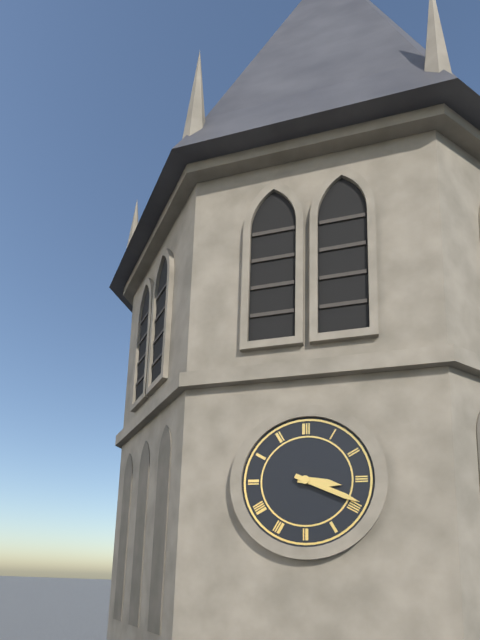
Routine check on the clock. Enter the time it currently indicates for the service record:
3:19
